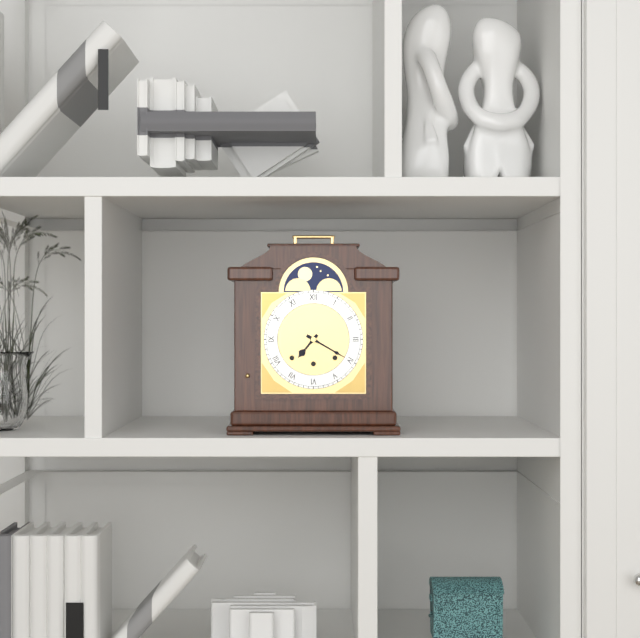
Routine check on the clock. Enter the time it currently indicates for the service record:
7:20
